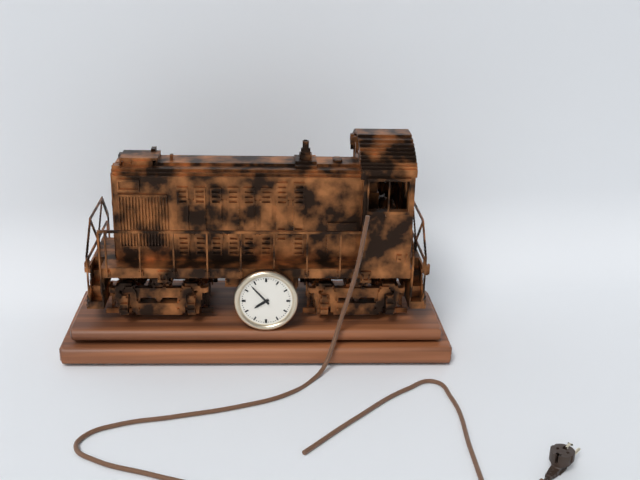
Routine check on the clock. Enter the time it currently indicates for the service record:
7:53
